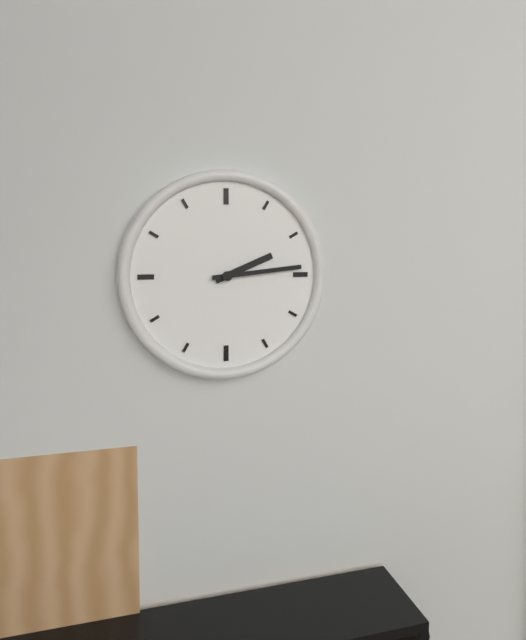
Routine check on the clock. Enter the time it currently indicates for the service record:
2:14
